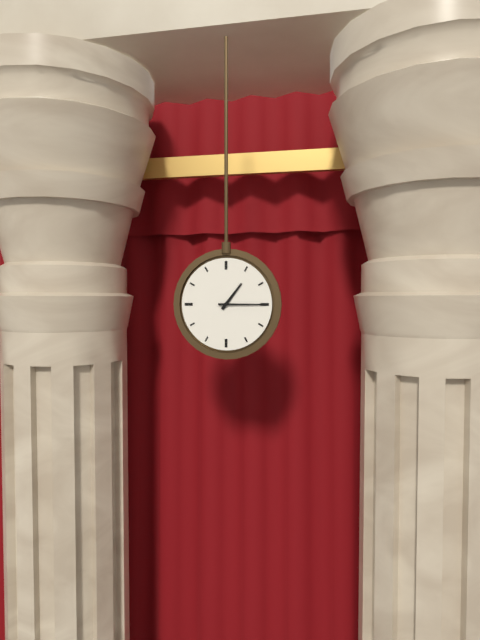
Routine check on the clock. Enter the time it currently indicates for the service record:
1:15
